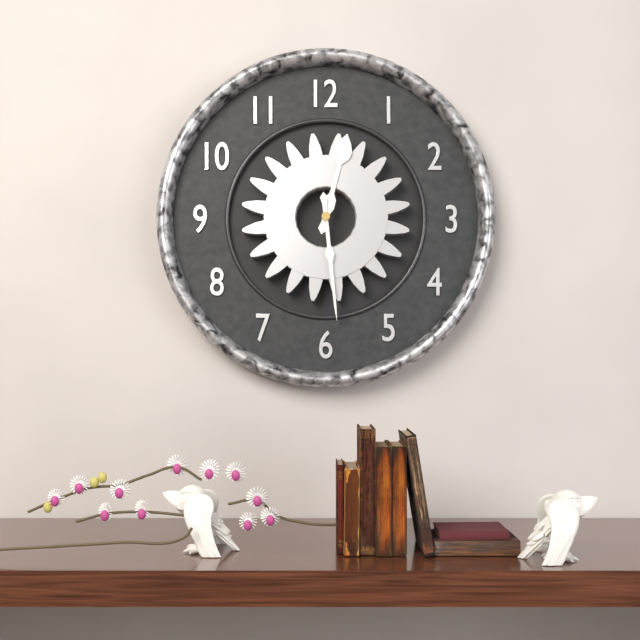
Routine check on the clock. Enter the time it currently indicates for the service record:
12:29
